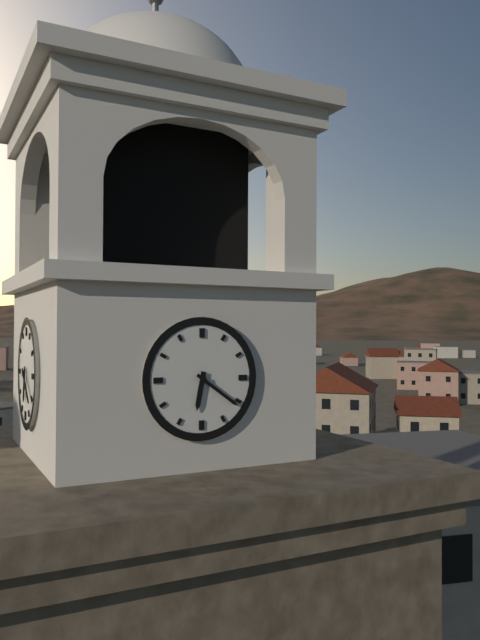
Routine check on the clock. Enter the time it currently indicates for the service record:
6:21
